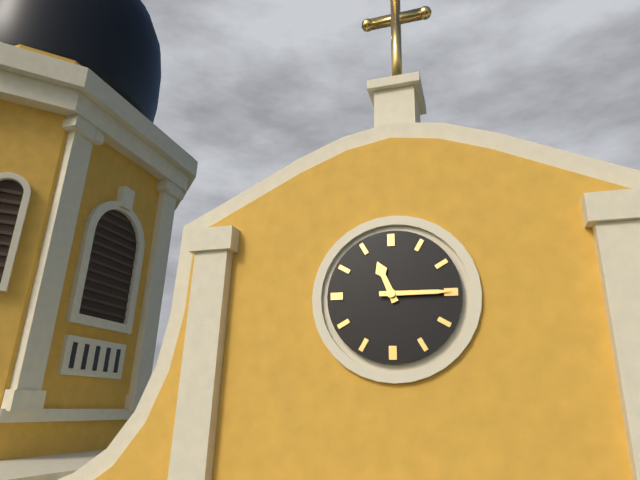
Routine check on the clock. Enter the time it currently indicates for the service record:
11:15
